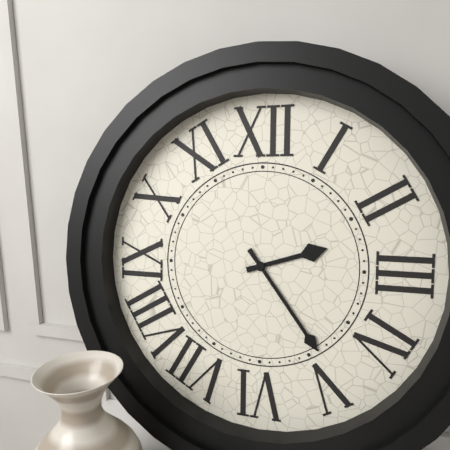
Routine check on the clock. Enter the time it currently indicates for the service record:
2:24
